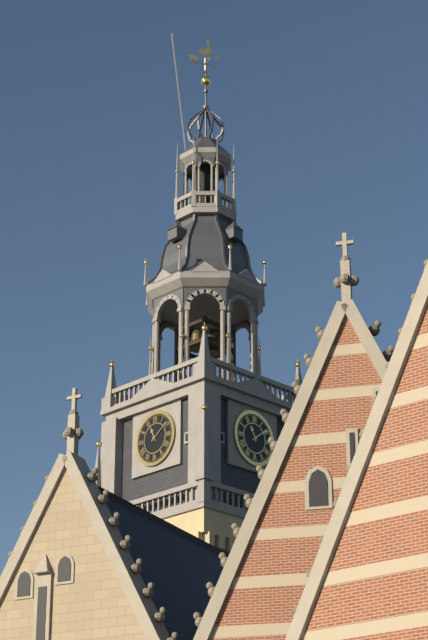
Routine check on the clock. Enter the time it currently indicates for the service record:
11:09
